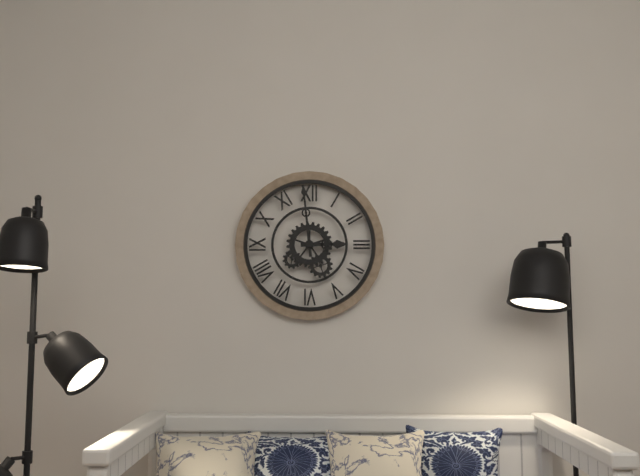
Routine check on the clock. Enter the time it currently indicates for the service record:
2:59
